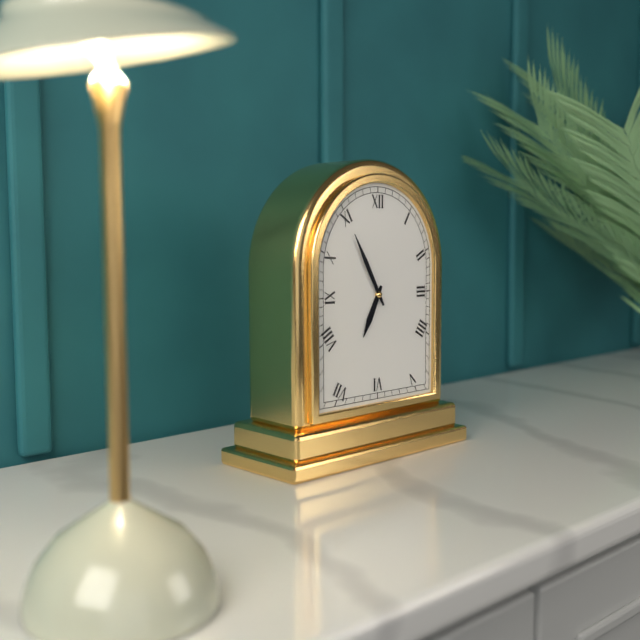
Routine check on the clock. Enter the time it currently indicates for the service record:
6:55
